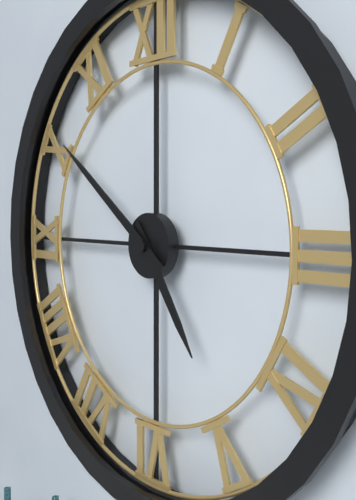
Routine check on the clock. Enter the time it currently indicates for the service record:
4:51
